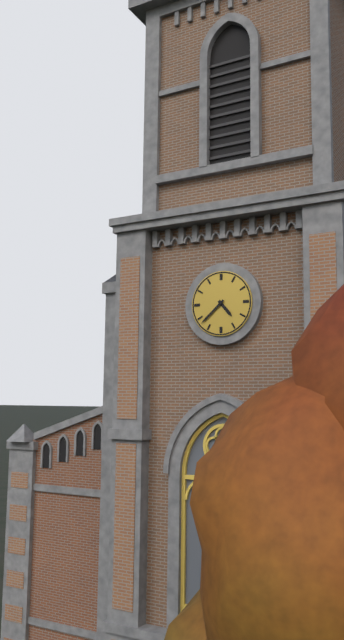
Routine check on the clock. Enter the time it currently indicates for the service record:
4:38
